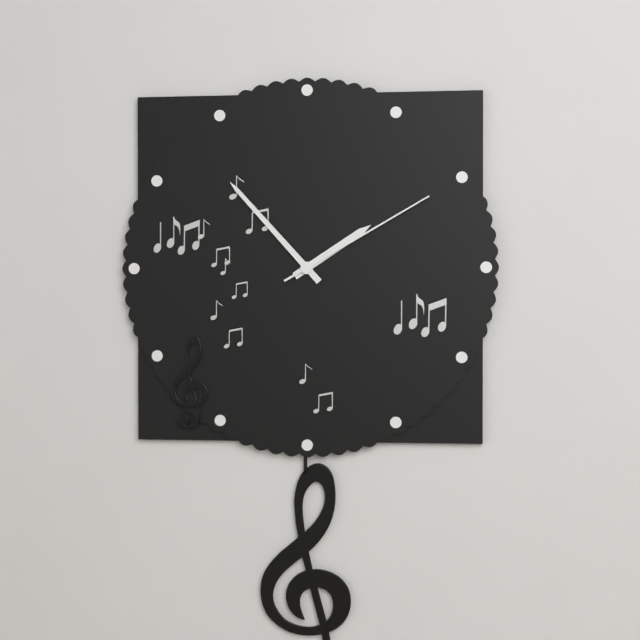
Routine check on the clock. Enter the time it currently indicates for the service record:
1:53:10
